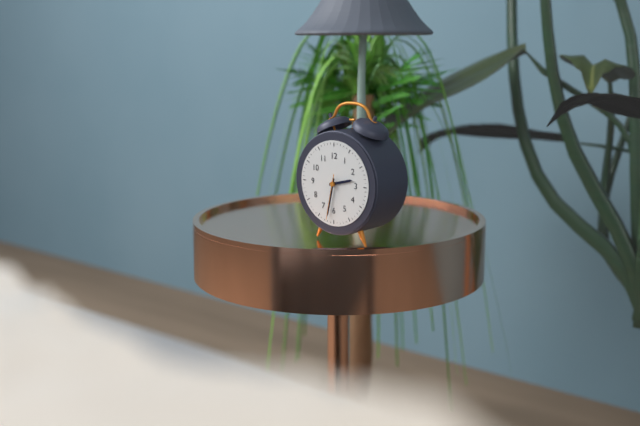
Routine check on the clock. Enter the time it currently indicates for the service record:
2:32
